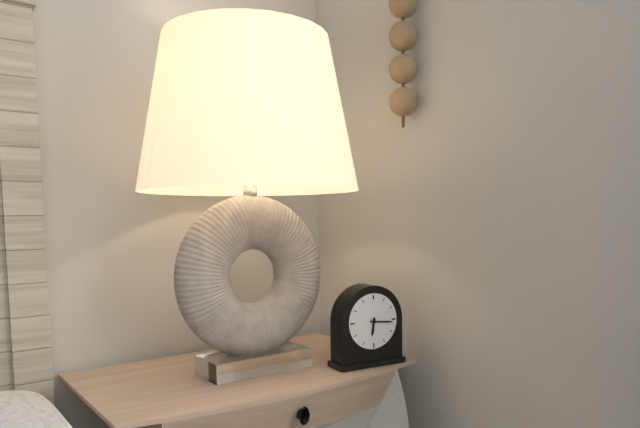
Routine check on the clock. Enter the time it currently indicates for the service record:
6:16
